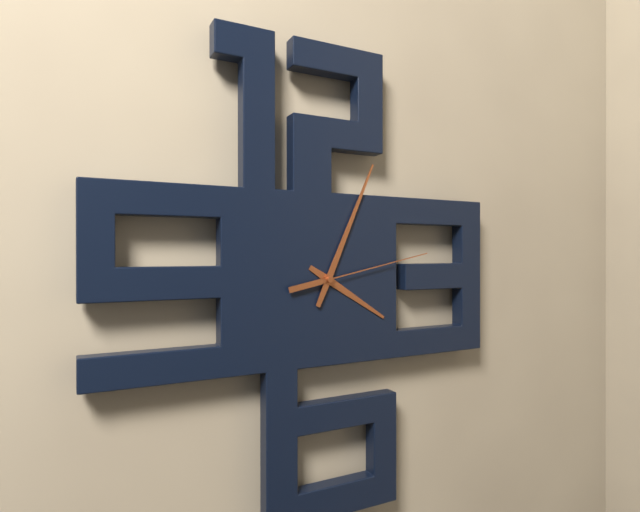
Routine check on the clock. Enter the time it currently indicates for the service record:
4:04:13
